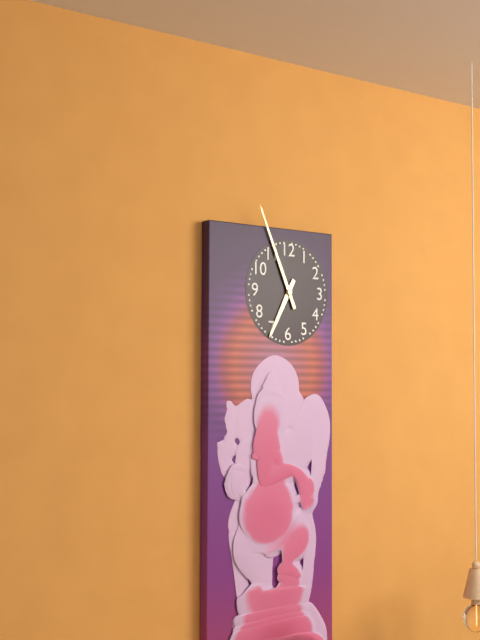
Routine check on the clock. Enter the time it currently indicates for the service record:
6:56
